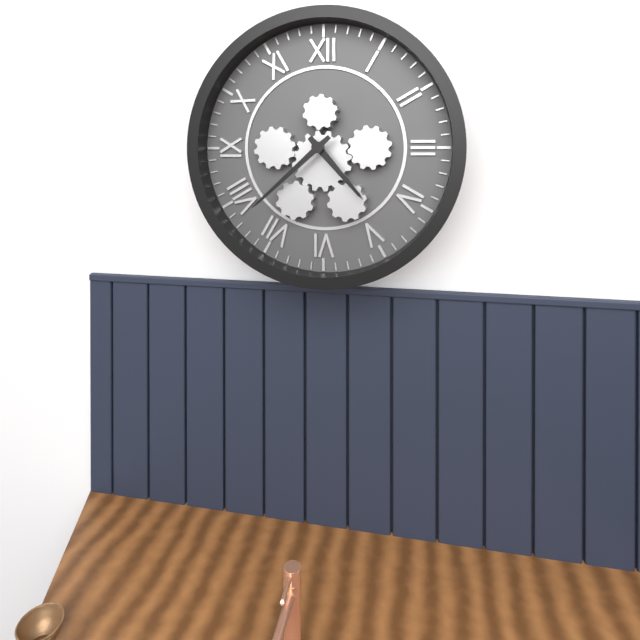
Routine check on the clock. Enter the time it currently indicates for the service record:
4:38
